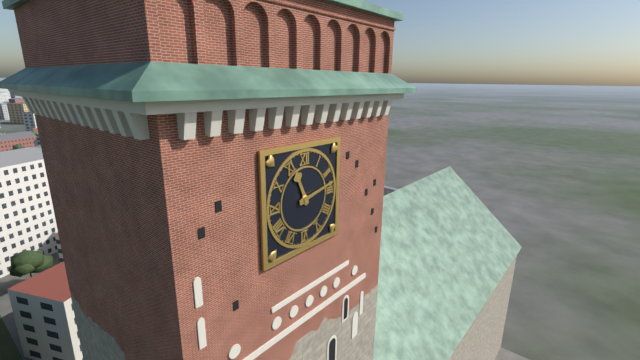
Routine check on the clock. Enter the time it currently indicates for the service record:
11:13
